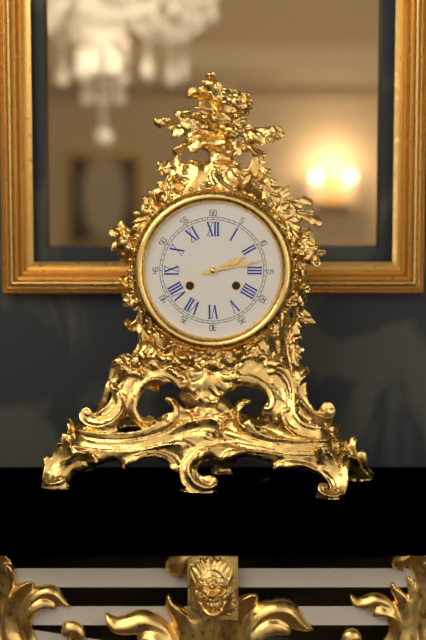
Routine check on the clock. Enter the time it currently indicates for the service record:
2:13
